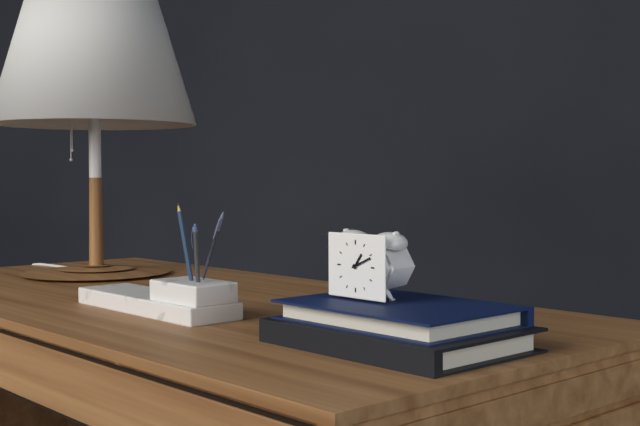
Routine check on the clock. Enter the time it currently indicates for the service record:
1:11
